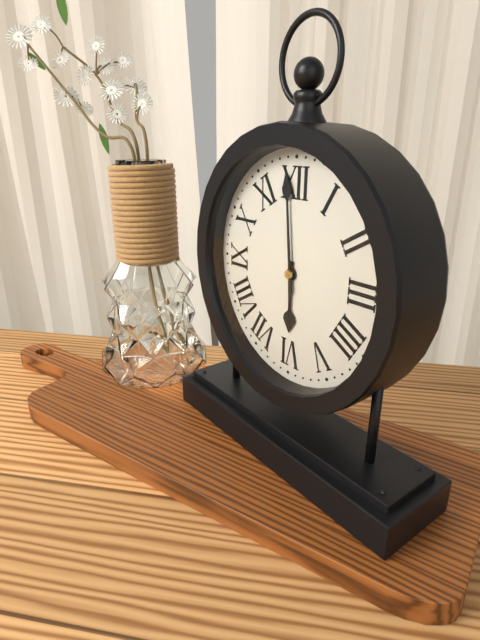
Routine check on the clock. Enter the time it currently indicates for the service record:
5:59
